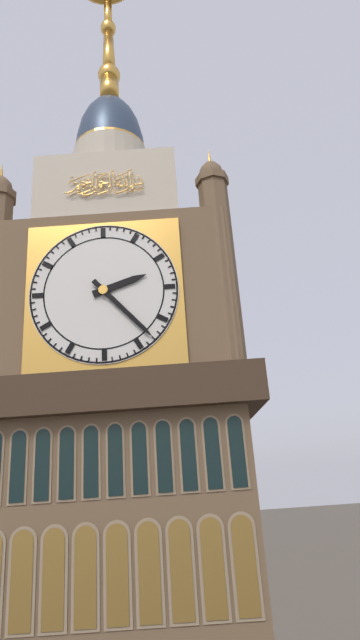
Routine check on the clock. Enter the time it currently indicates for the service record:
2:23
